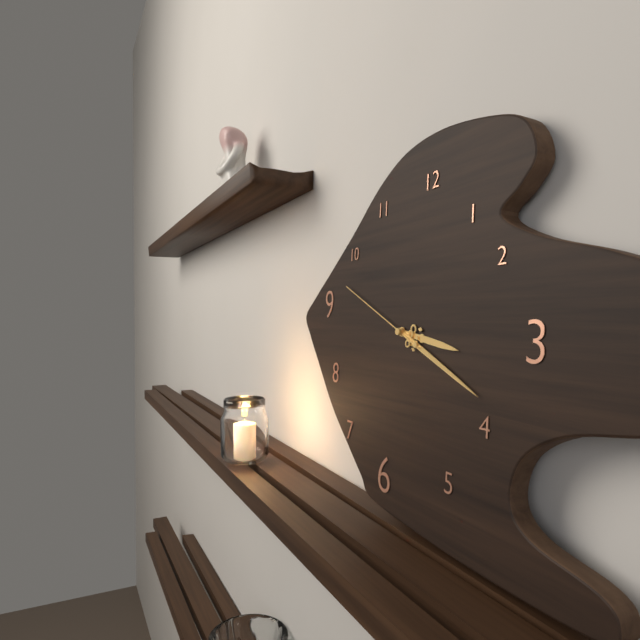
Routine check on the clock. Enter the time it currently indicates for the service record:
3:19:49
